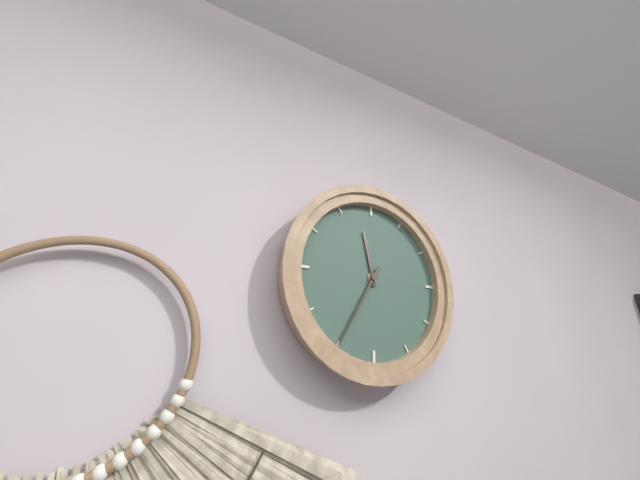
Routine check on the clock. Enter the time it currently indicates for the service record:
11:35
